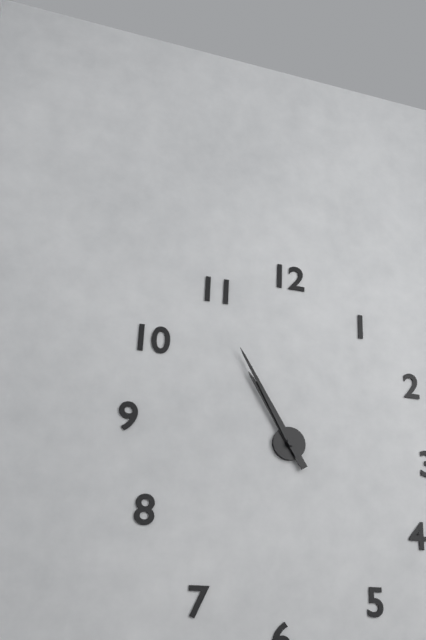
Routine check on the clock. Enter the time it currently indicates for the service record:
10:55
